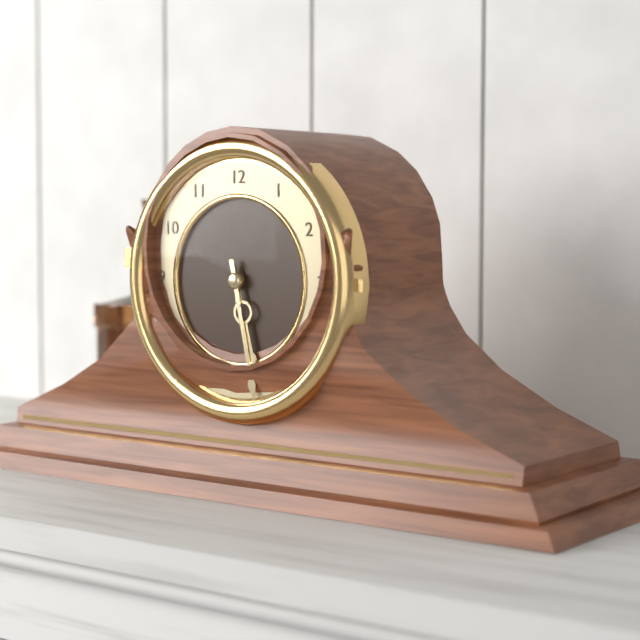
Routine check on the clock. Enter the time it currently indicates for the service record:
5:28
